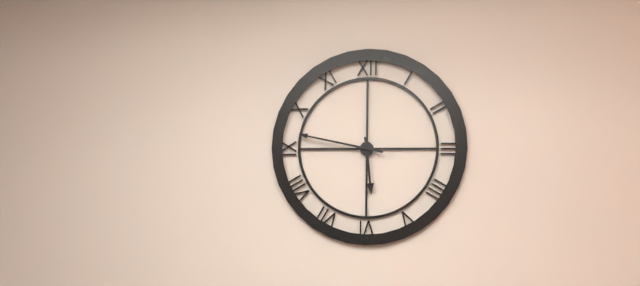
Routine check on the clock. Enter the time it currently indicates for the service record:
5:47
